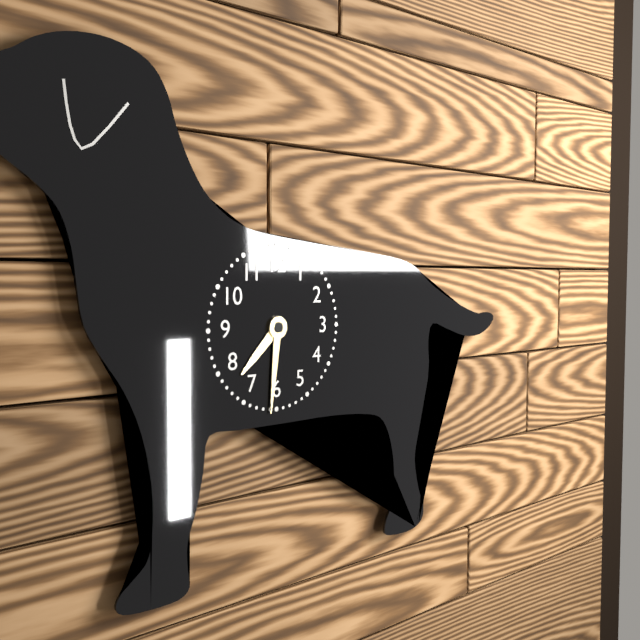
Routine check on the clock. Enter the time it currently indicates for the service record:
7:31
